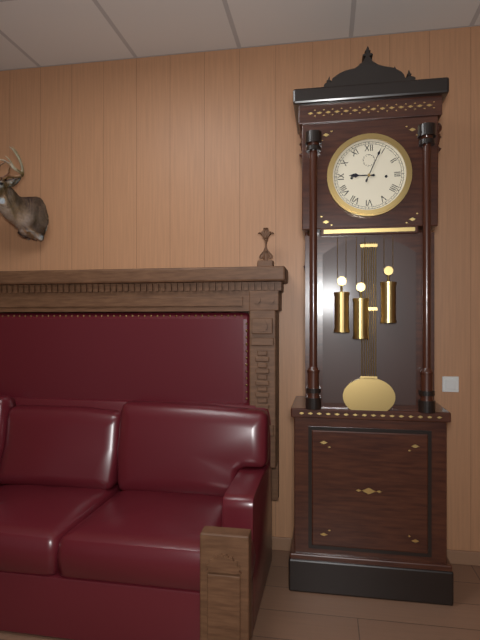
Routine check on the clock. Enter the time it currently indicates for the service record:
9:04
